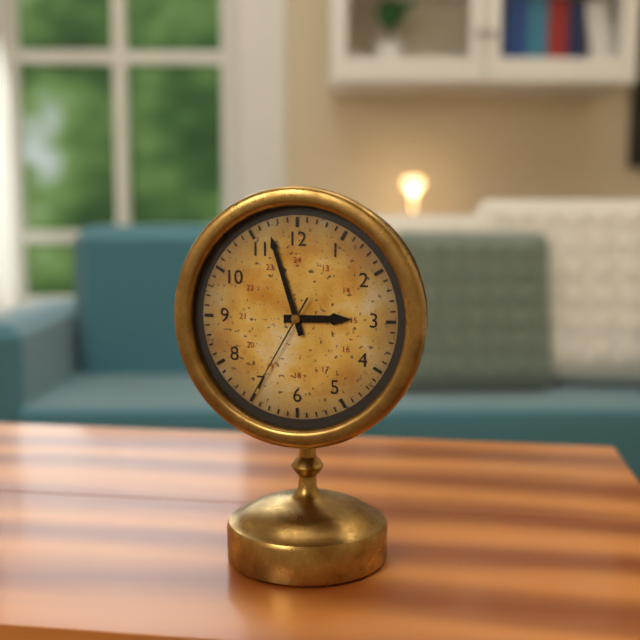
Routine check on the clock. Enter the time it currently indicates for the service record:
2:57:35
